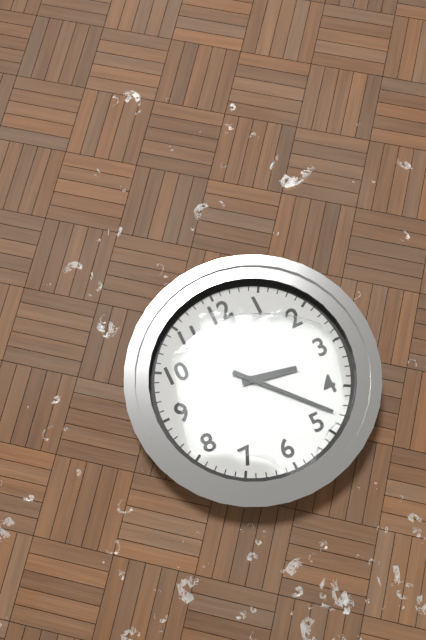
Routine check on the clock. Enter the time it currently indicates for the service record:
3:23
